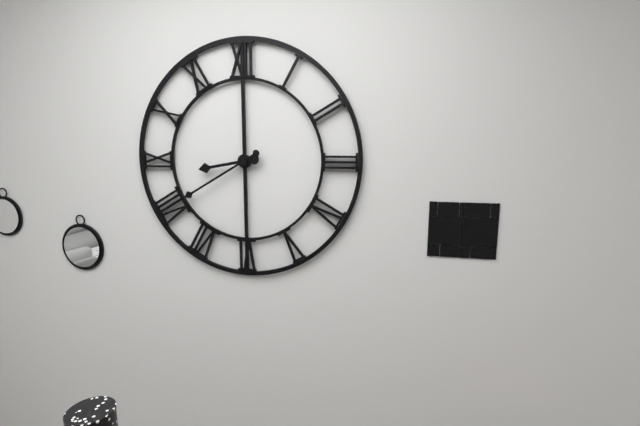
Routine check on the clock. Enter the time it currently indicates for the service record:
8:40
